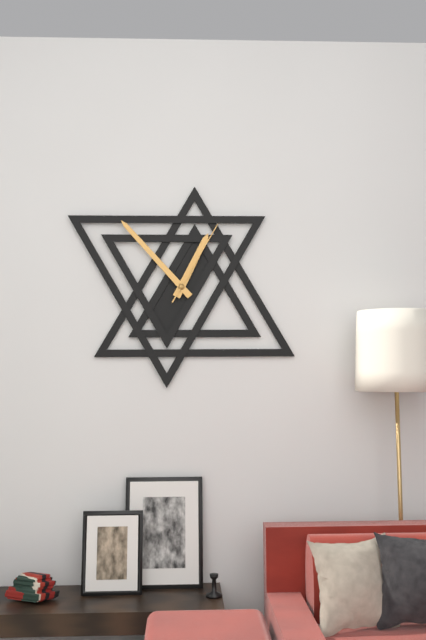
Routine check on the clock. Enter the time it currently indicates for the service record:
12:53:05
